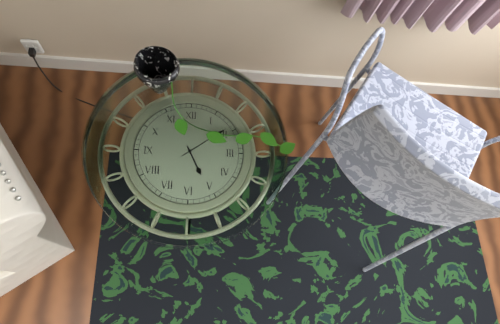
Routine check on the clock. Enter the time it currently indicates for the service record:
5:09
